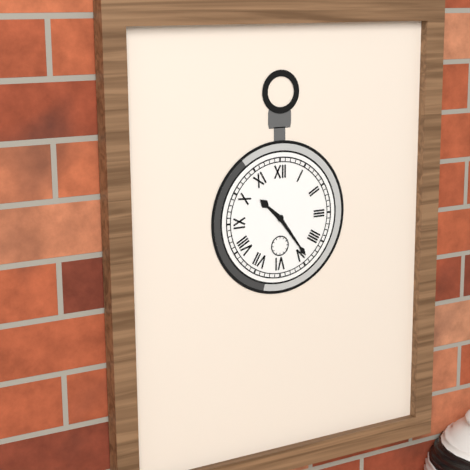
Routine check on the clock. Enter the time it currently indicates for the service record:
10:24
